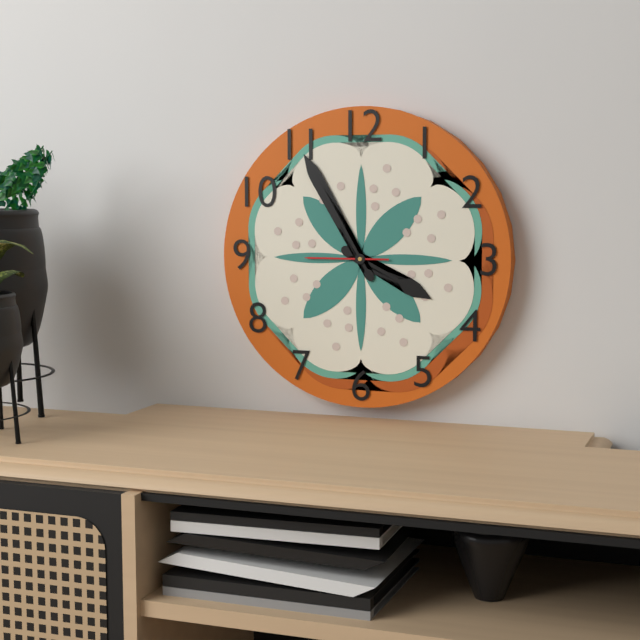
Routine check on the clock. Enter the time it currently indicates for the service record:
3:55:45
